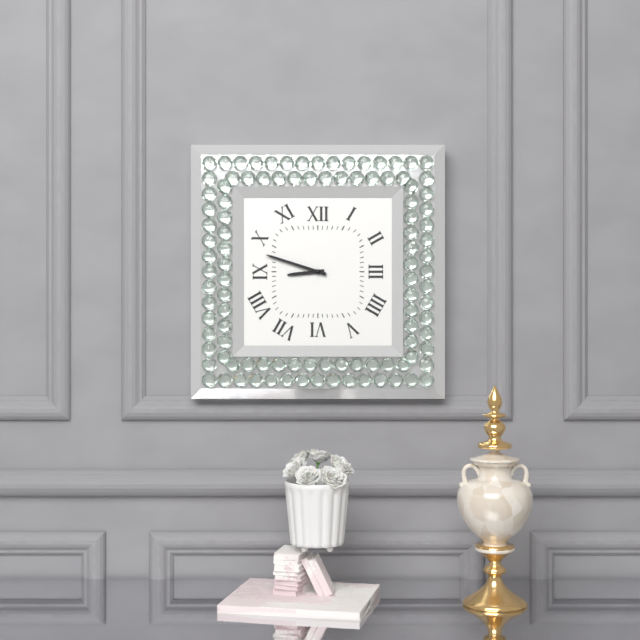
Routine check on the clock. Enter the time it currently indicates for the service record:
8:48
